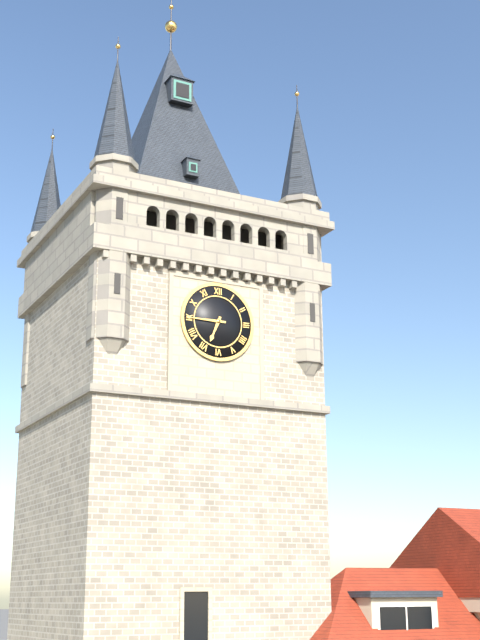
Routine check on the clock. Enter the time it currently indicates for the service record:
6:45
